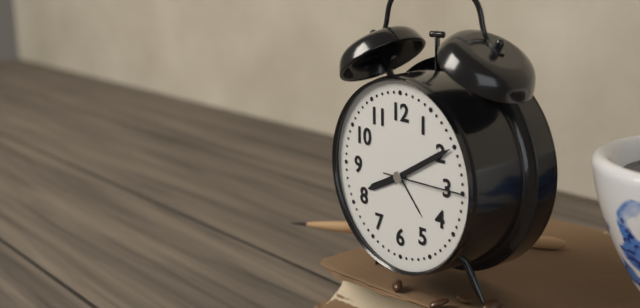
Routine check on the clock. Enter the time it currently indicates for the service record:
8:10:15
